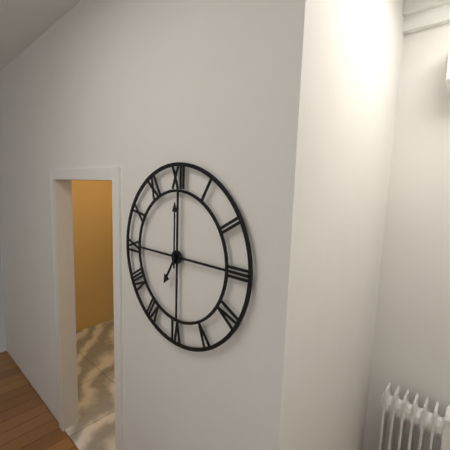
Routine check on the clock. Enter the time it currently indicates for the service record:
7:00
